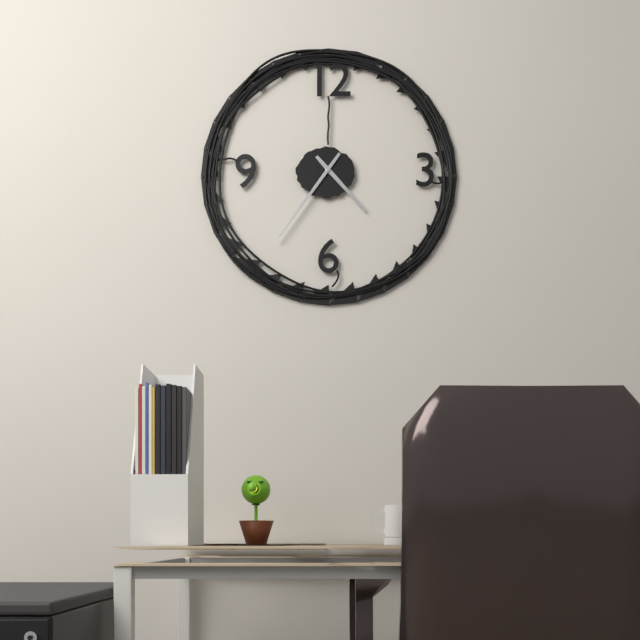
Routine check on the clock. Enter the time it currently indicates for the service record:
4:36
